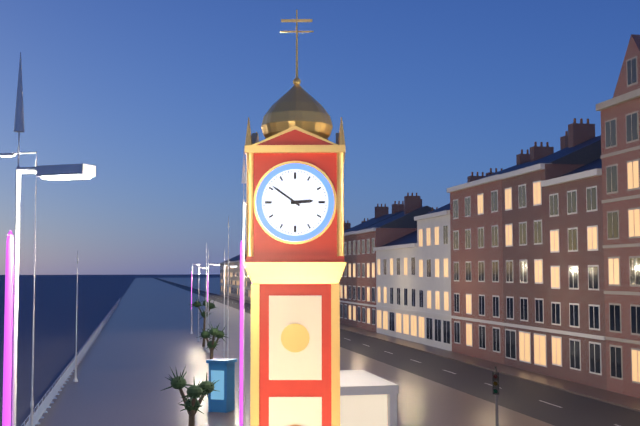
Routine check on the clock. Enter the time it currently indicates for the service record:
2:51
